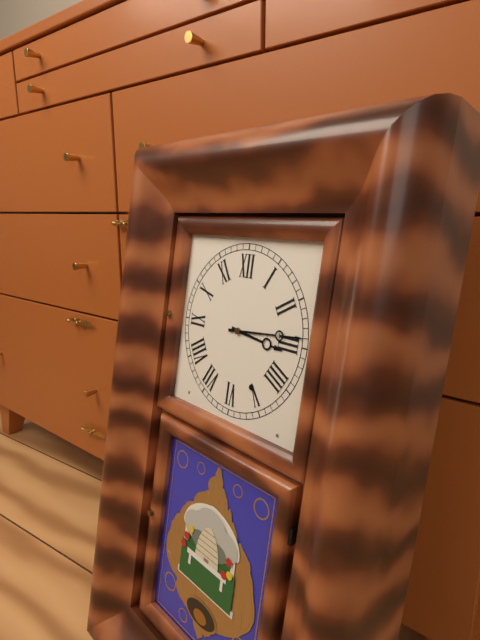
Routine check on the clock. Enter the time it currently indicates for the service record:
3:14
